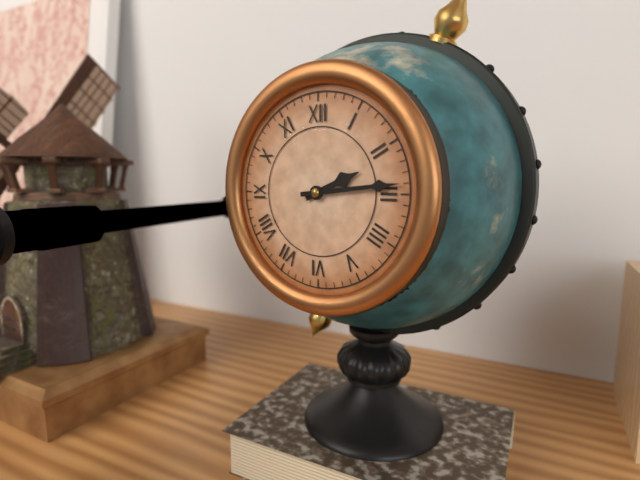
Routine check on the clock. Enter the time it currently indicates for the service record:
2:14
